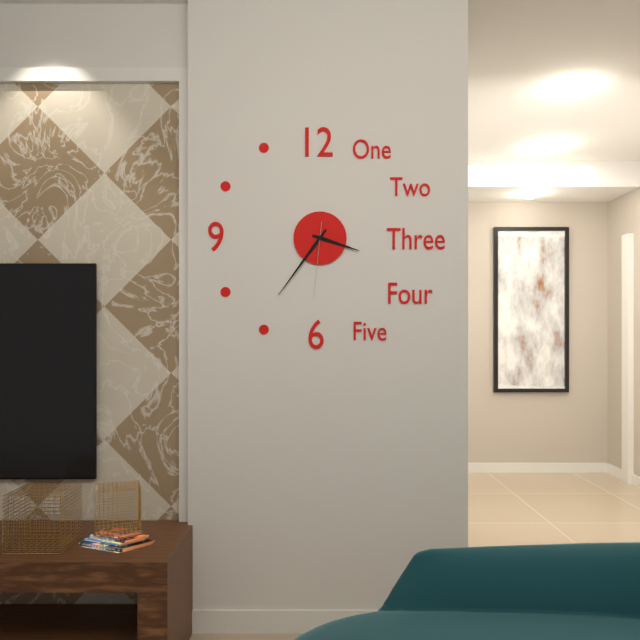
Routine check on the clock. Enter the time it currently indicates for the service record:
3:36:31
